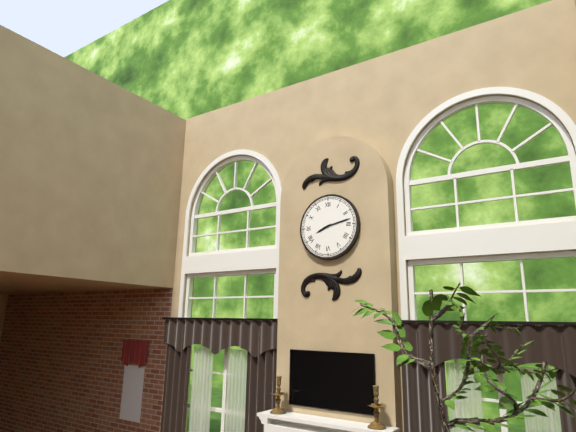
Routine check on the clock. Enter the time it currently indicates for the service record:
8:13
